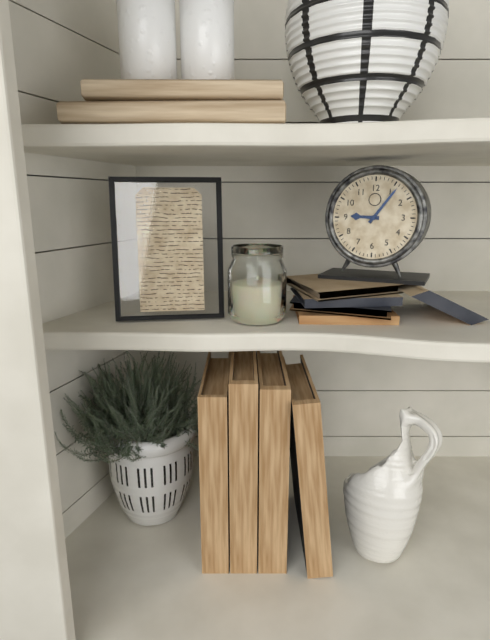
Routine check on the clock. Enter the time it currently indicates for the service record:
9:06
